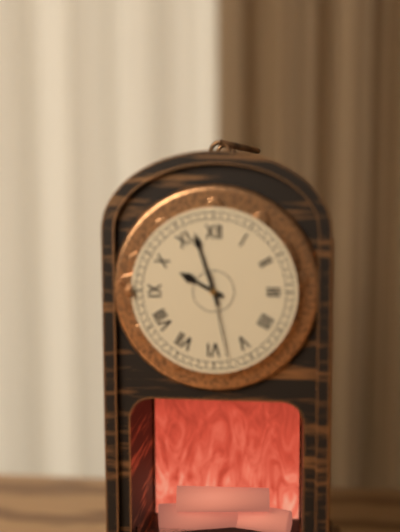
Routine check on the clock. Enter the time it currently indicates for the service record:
9:57:28
